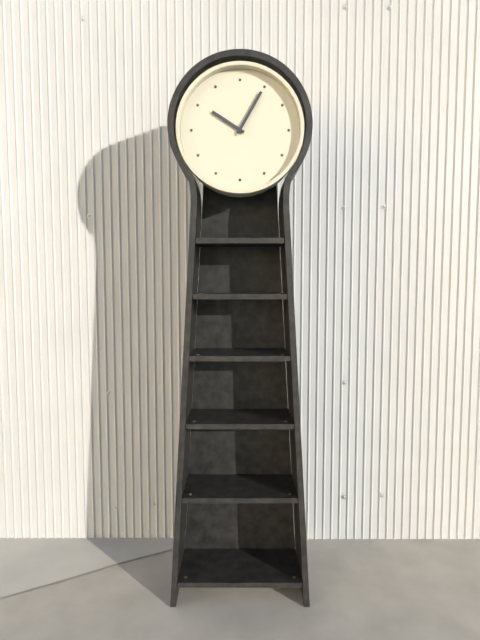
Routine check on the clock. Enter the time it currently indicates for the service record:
10:05
